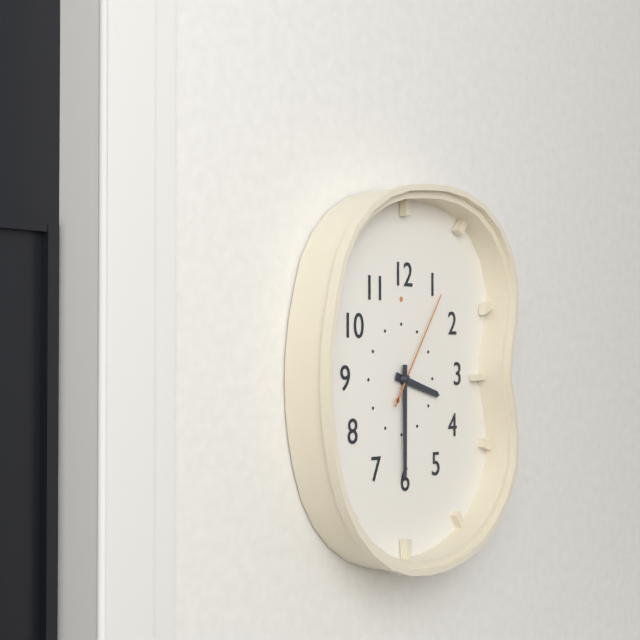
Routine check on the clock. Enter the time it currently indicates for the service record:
3:30:06
